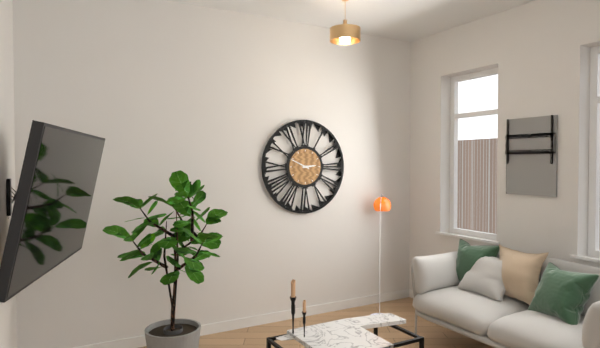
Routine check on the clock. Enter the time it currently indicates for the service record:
2:49
